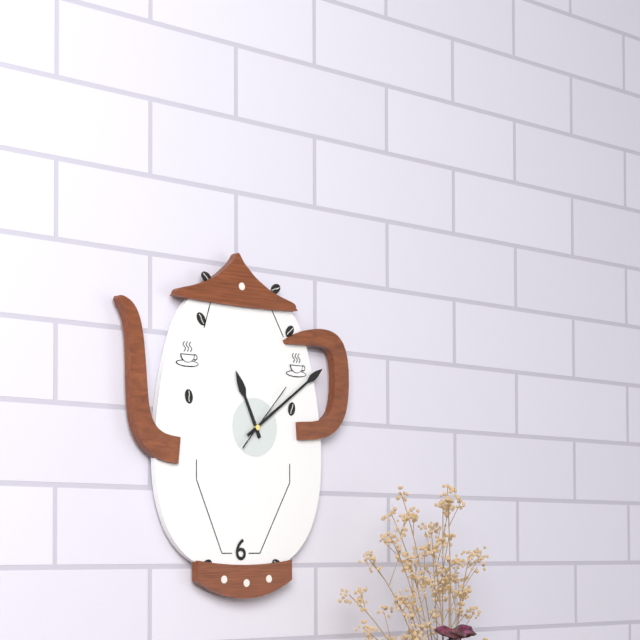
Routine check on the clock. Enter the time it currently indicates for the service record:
11:09:07
